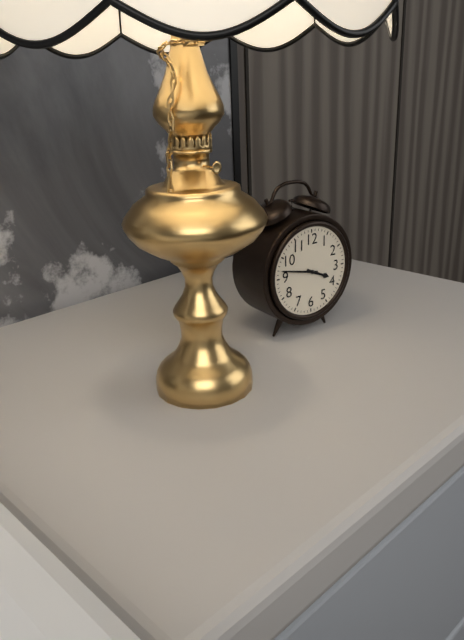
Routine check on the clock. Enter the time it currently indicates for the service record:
3:47
